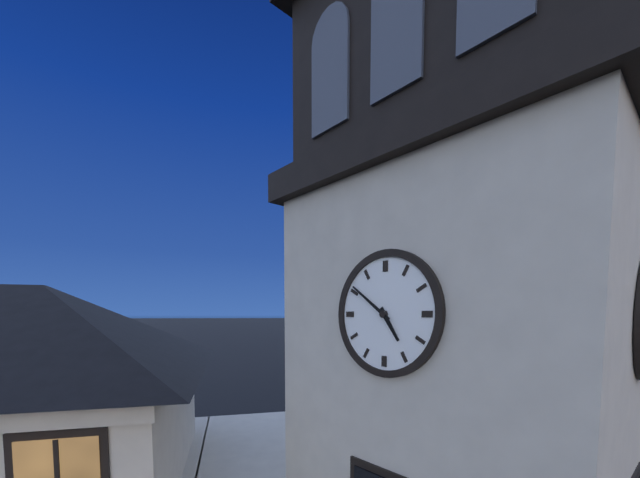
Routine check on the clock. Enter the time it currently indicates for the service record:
4:51
